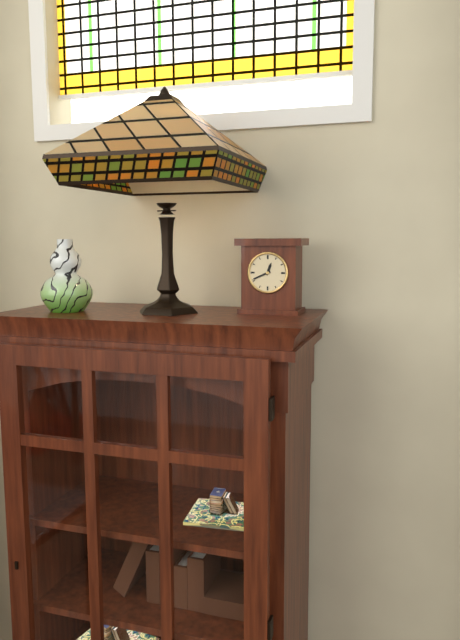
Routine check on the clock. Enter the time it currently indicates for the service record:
12:41
